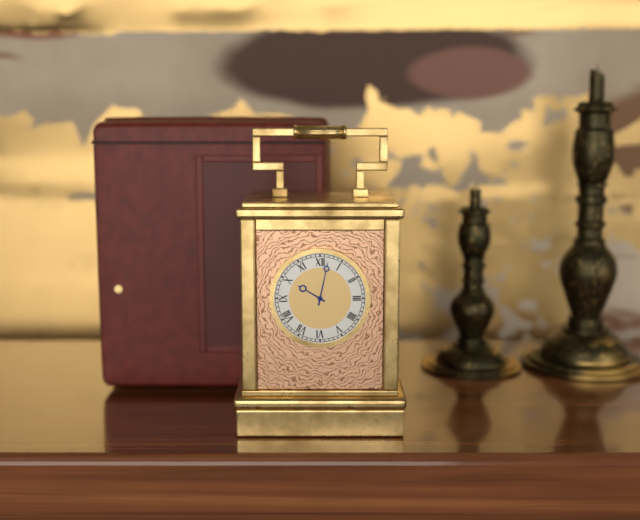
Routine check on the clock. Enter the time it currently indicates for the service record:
10:02
